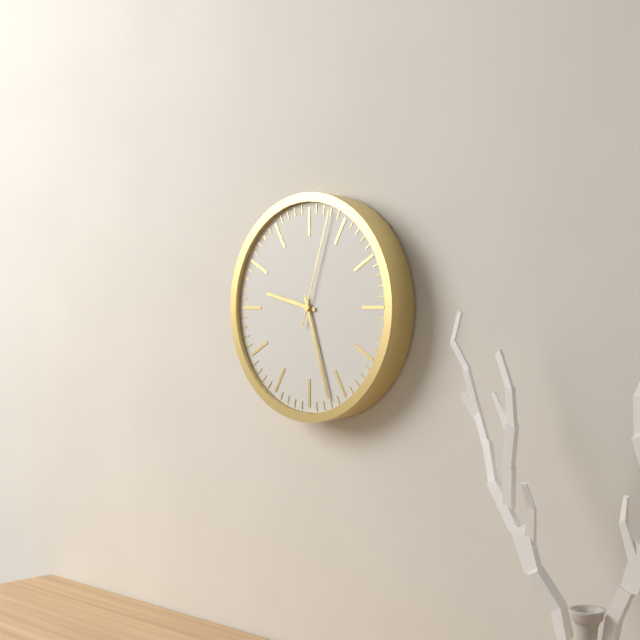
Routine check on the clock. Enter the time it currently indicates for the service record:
9:27:03
